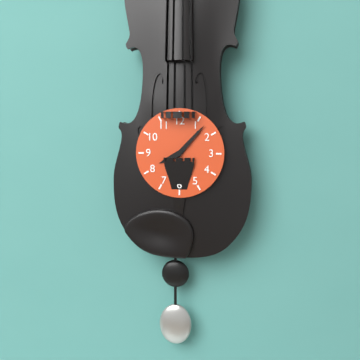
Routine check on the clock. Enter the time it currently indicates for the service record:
8:07
